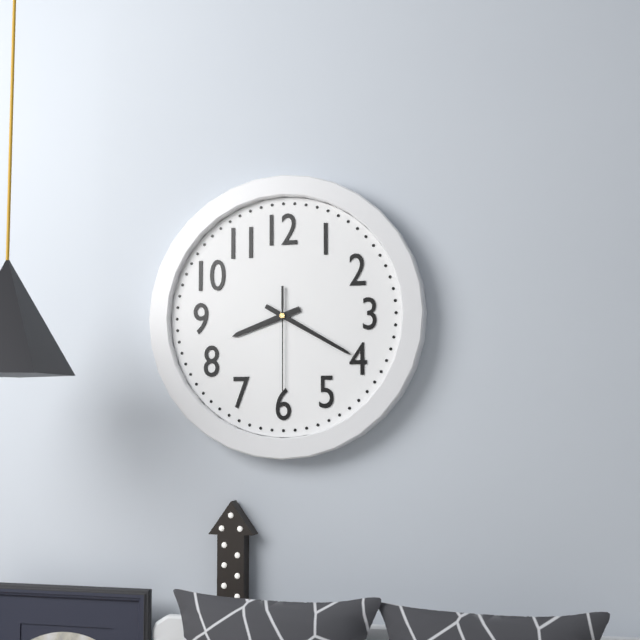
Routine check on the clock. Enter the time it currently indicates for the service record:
8:20:30
